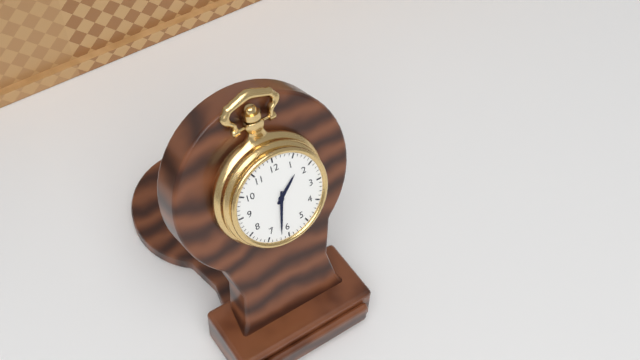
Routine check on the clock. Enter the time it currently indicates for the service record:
1:32
